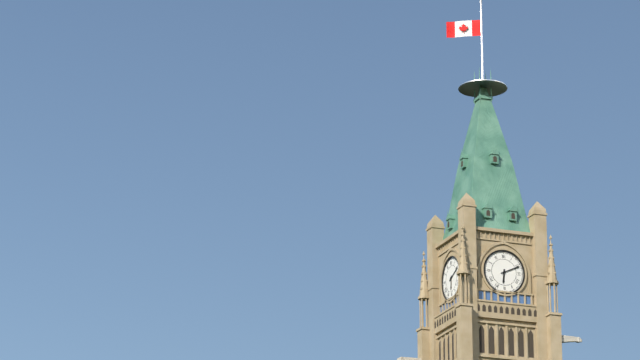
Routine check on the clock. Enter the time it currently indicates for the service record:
6:11
